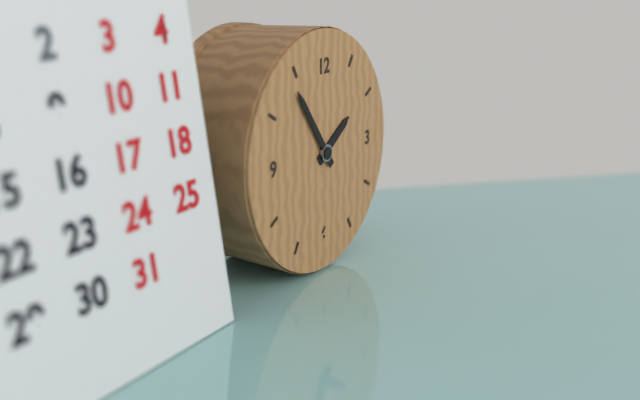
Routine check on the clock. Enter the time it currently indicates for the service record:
1:54
